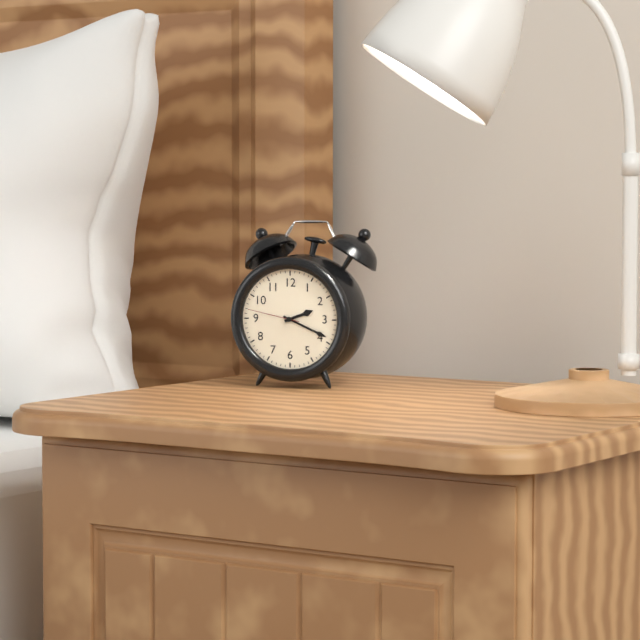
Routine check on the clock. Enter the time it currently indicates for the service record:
2:19:47
